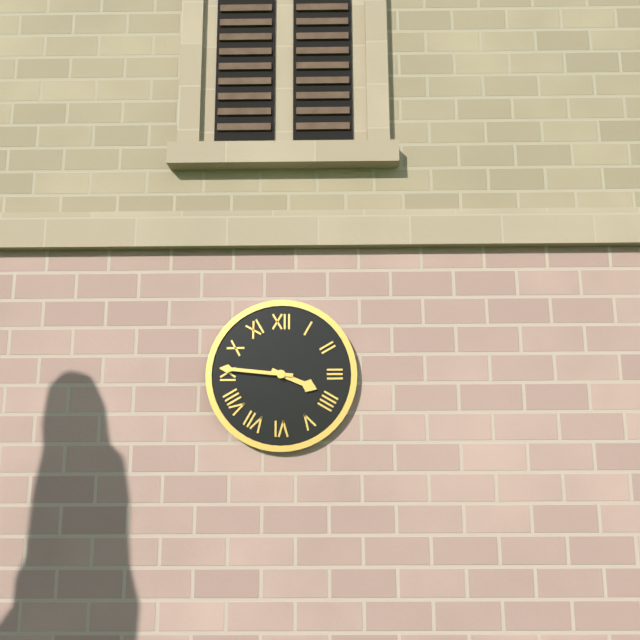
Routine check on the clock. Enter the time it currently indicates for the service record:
3:46
